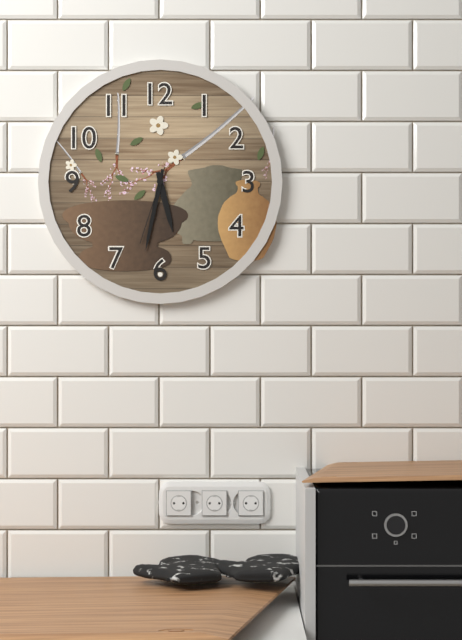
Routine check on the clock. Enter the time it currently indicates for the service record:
5:32:33
